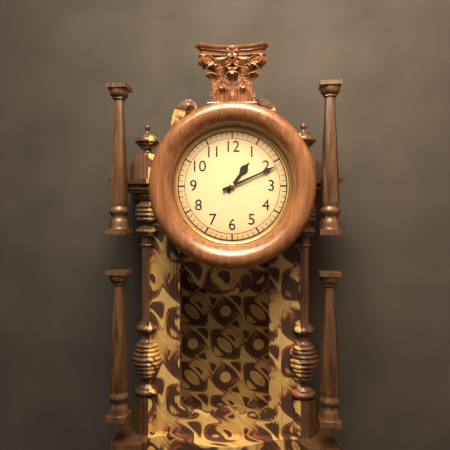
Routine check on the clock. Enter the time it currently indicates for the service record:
1:11
